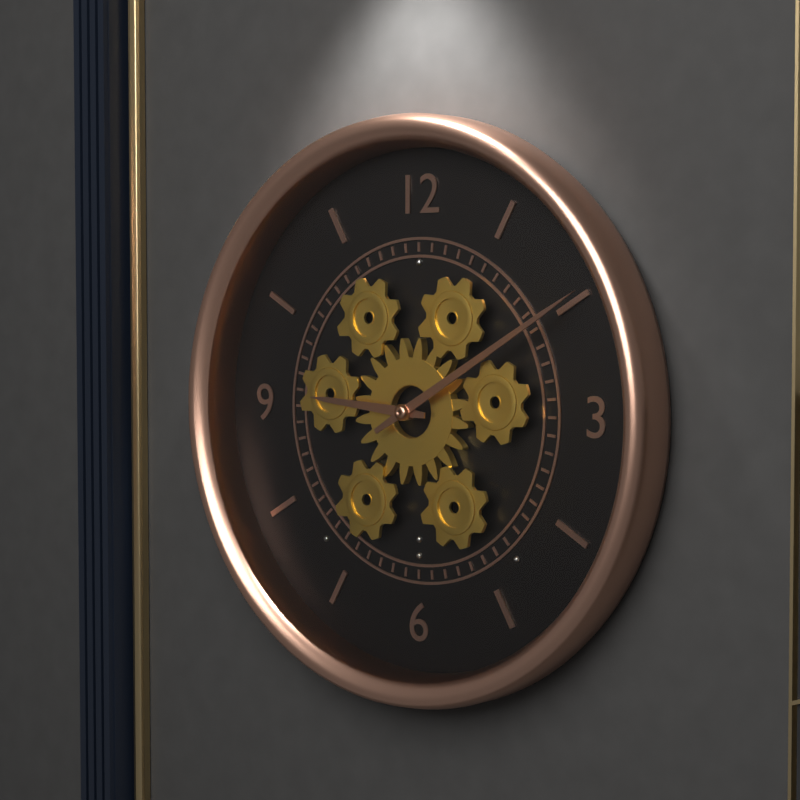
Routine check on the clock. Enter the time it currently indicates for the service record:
9:10
